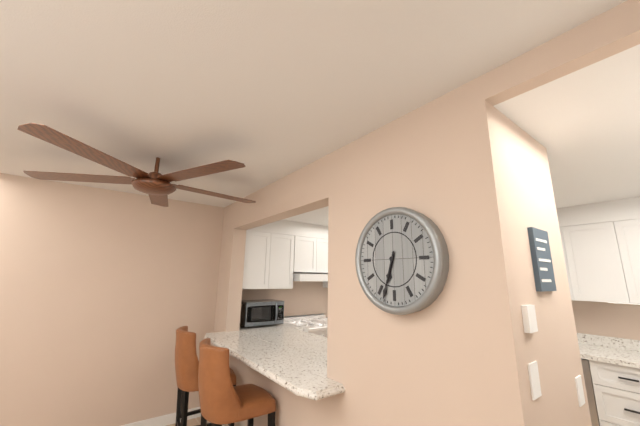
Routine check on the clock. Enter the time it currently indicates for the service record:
6:33
